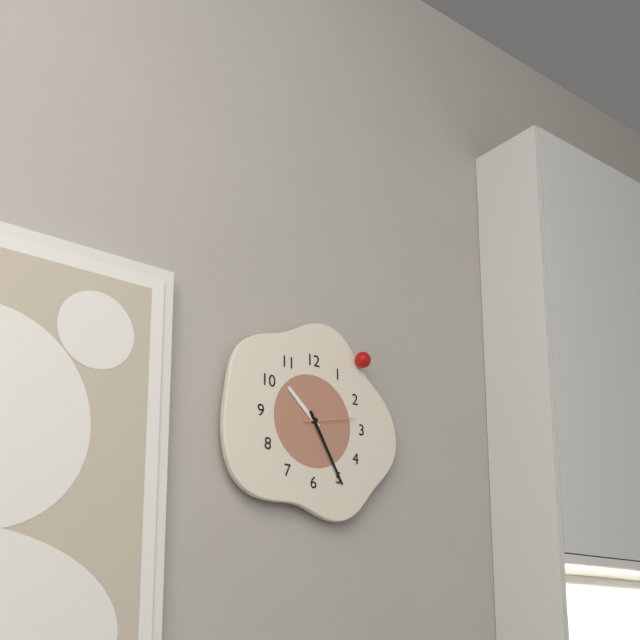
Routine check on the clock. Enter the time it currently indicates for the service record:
10:25:13
